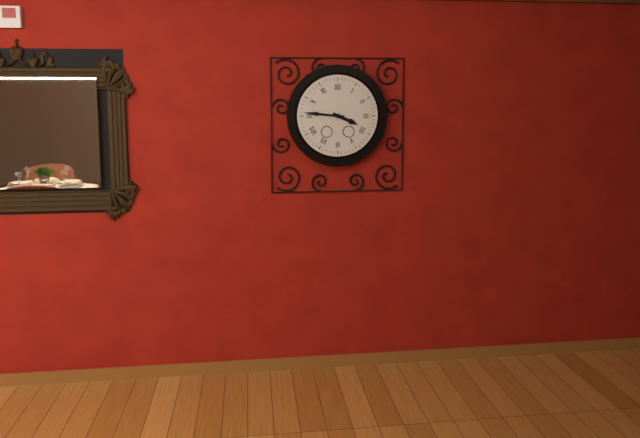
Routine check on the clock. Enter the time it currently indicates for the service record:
3:46
